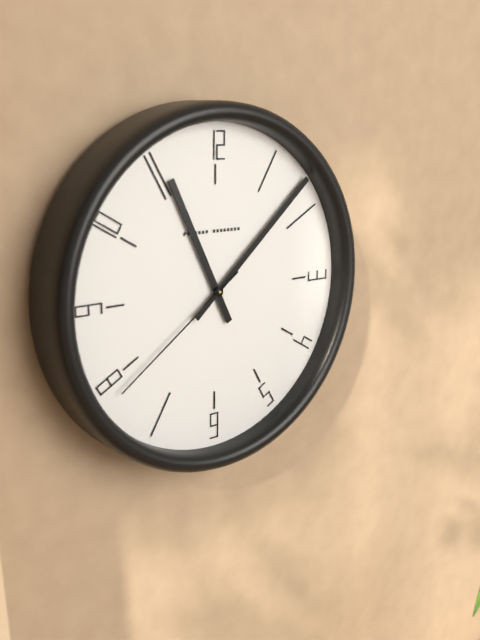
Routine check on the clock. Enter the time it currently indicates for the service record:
11:08:39
